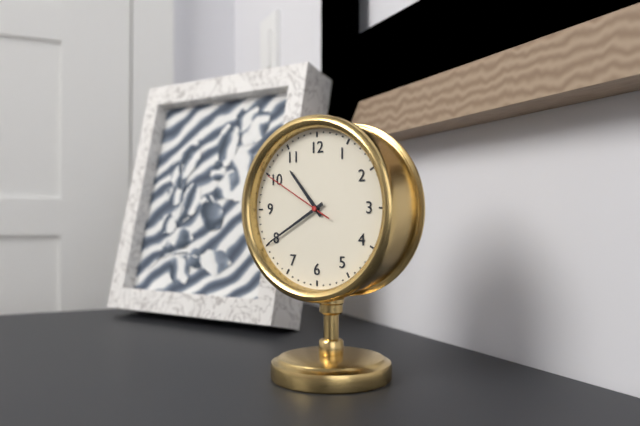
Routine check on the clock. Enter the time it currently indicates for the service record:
10:40:50
